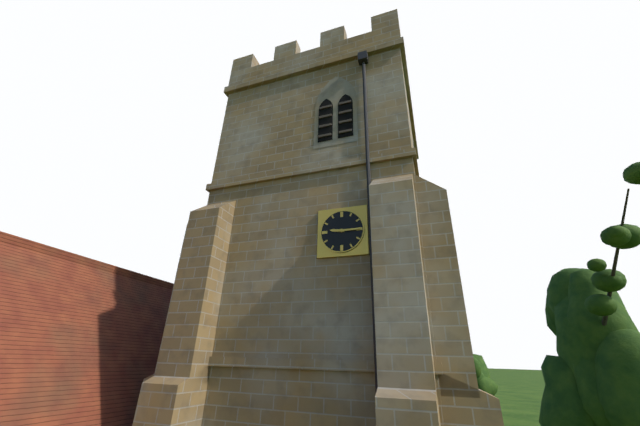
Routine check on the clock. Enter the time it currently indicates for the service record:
9:15
